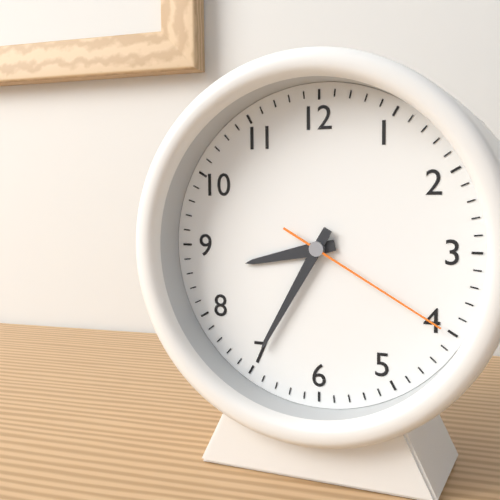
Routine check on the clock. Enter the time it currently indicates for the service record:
8:35:20
